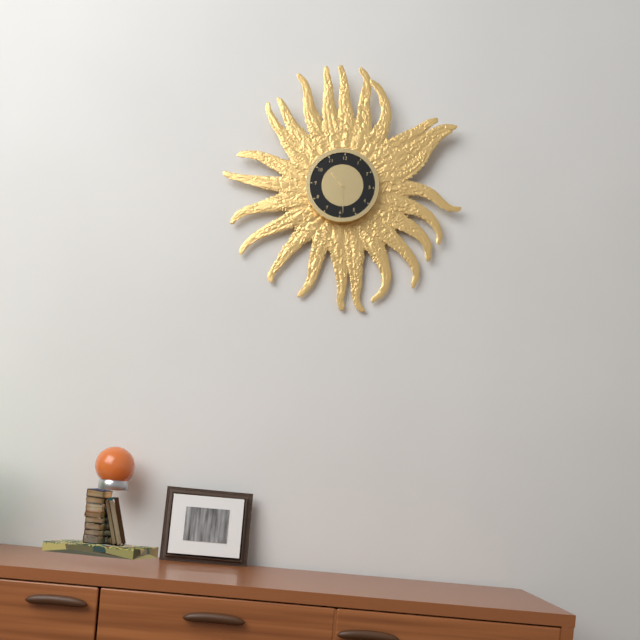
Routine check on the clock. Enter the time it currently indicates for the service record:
10:29
